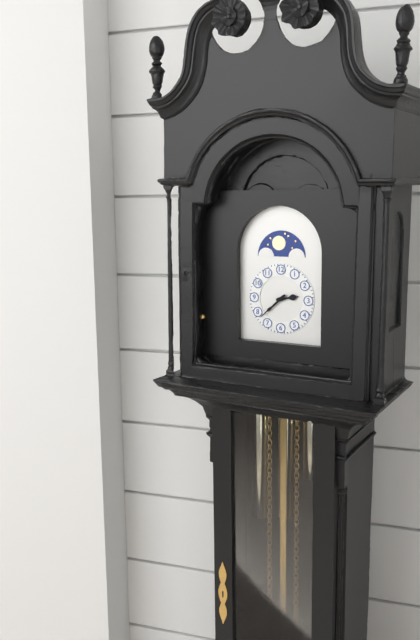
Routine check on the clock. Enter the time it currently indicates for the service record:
2:38
